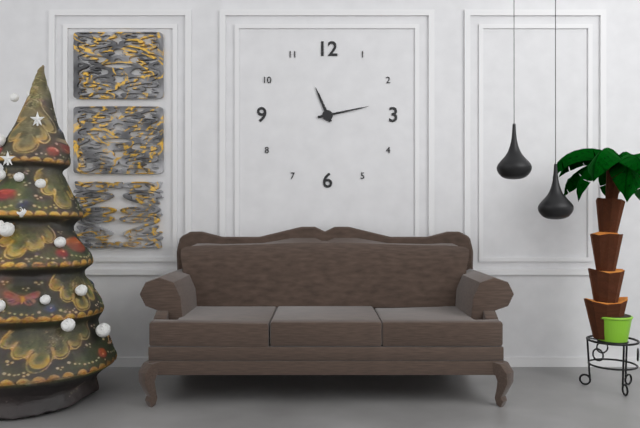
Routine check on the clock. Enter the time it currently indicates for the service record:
11:13
